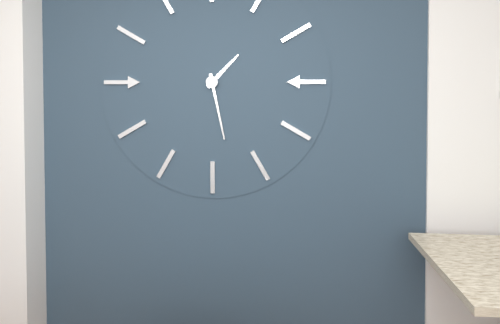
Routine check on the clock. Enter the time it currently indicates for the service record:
1:28
